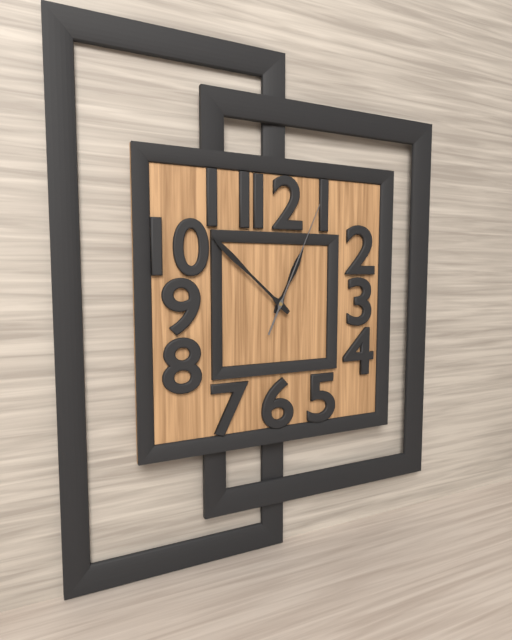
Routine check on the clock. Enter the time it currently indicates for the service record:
12:52:04
